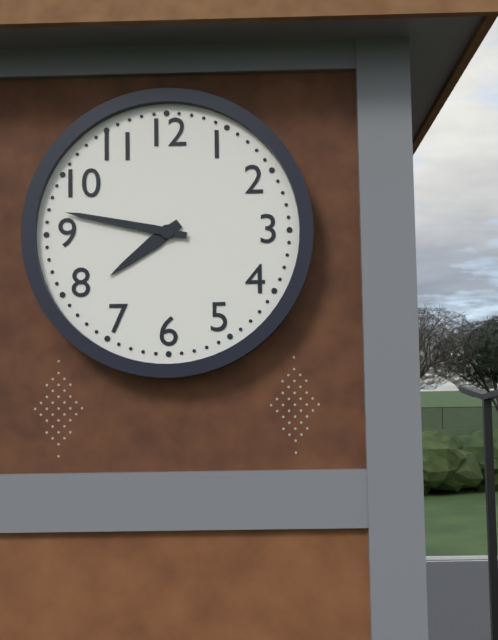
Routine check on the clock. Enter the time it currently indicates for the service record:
7:47
